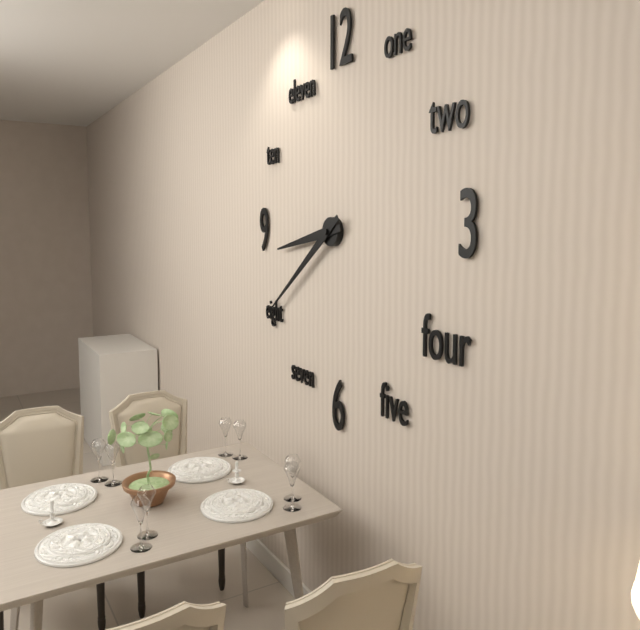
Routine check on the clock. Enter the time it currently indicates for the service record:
8:39
